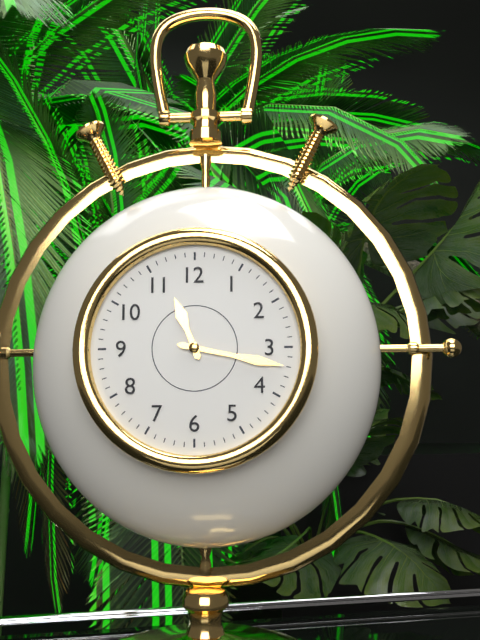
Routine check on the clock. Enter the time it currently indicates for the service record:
11:17
